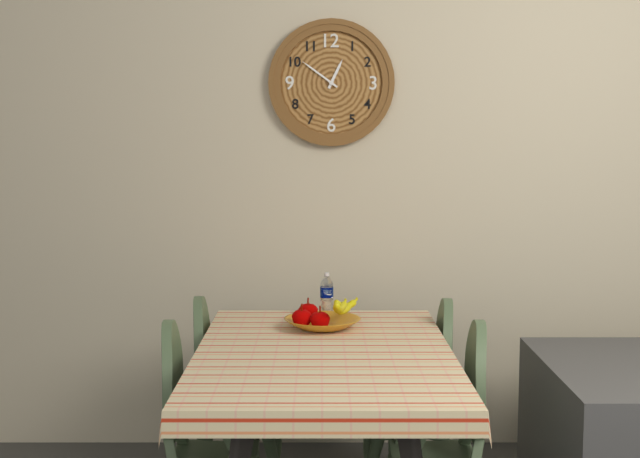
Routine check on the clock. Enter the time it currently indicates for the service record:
12:51
